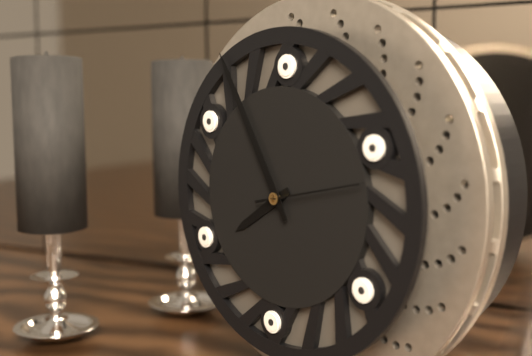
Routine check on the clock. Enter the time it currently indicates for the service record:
7:55:13
